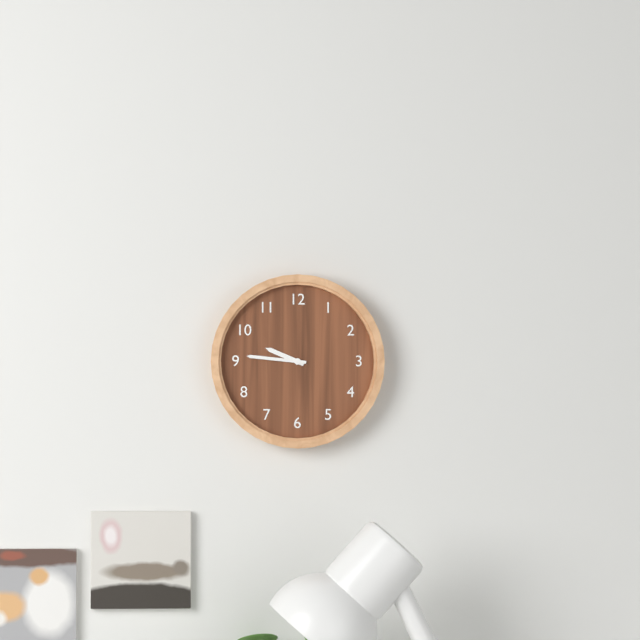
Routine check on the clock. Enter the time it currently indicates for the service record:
9:46
